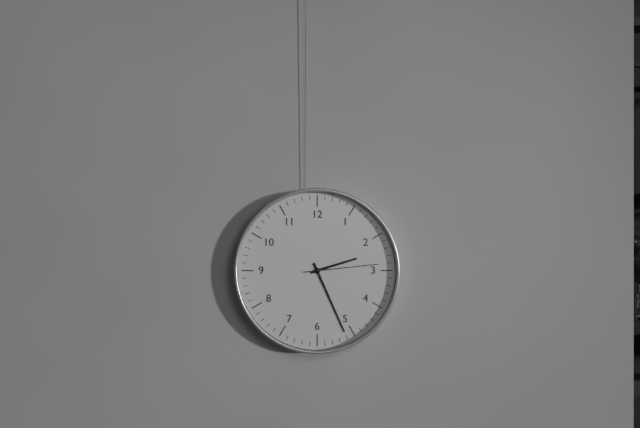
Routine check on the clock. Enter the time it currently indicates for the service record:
2:26:14
